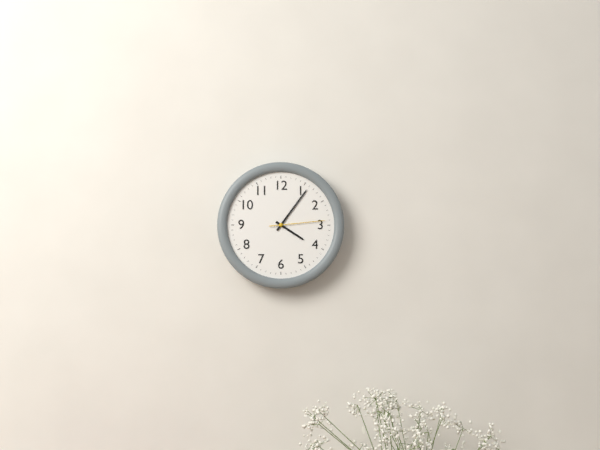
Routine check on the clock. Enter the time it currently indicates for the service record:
4:06:14
